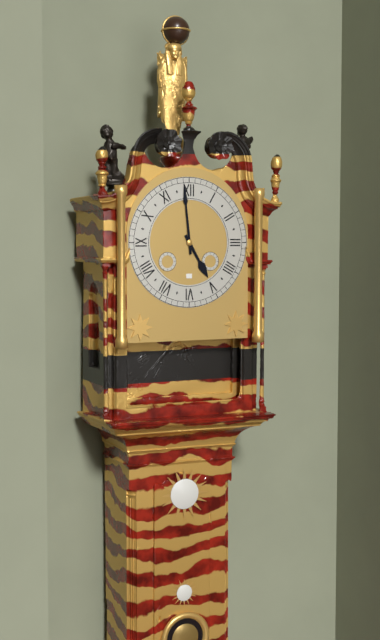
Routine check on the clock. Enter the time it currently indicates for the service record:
4:59
